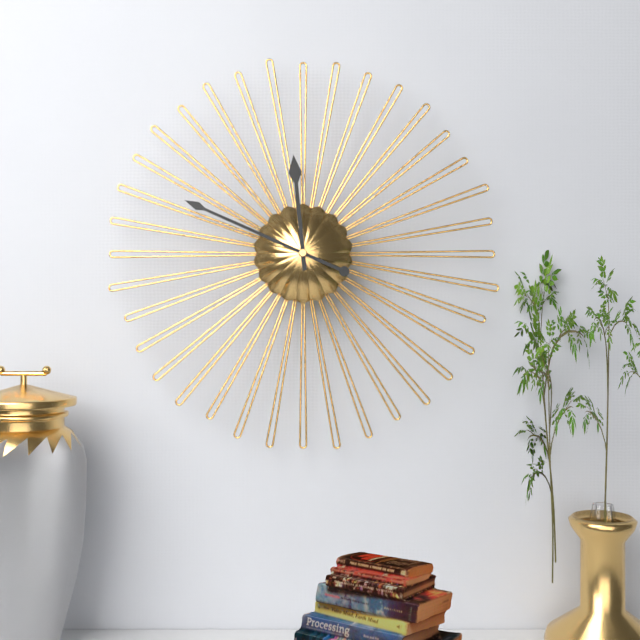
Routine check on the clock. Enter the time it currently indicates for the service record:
11:49
